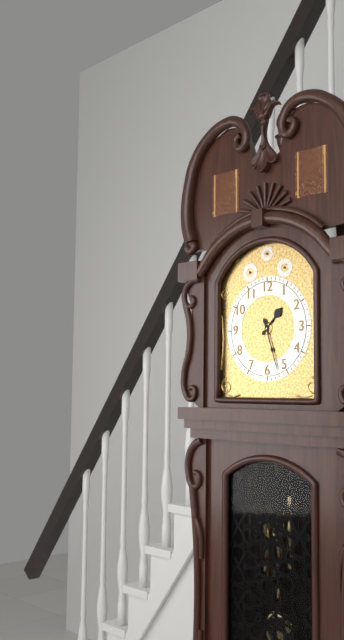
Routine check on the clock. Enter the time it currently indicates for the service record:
1:27
